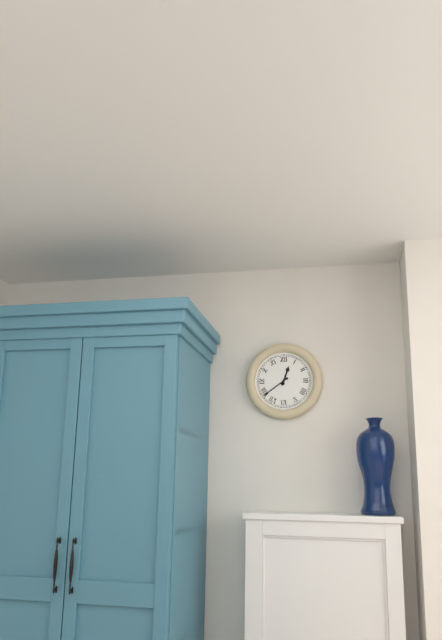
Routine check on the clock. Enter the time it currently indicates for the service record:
12:39
